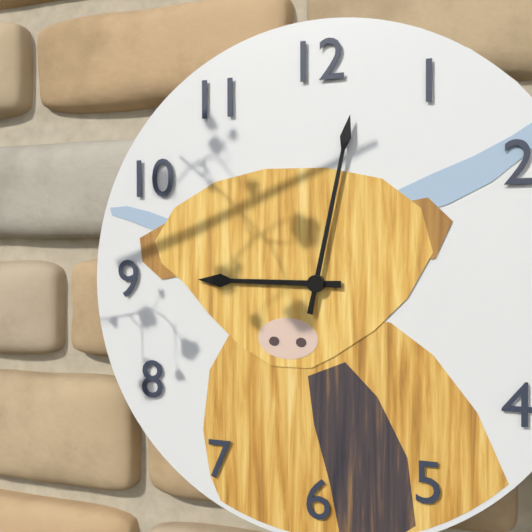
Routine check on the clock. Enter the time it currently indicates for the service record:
9:02
